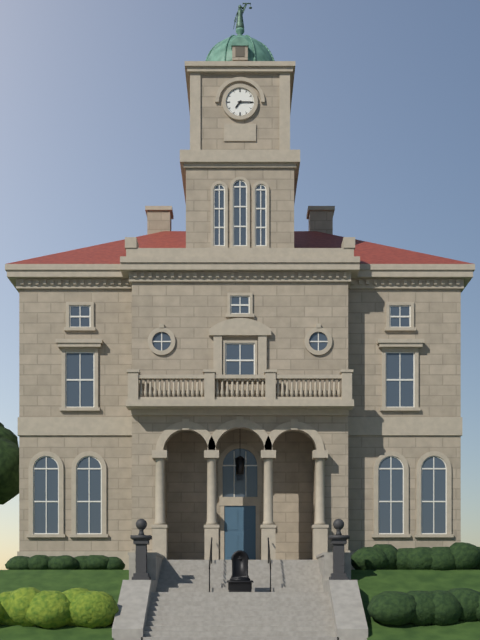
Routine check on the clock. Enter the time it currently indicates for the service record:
7:15
